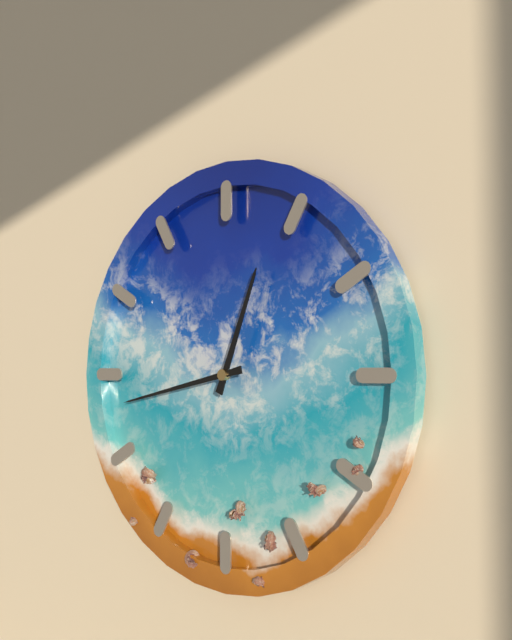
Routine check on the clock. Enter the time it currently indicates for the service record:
12:43
